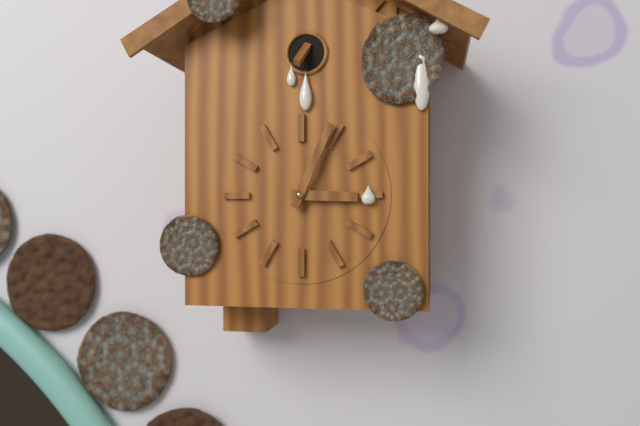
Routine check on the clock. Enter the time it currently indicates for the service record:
3:04
